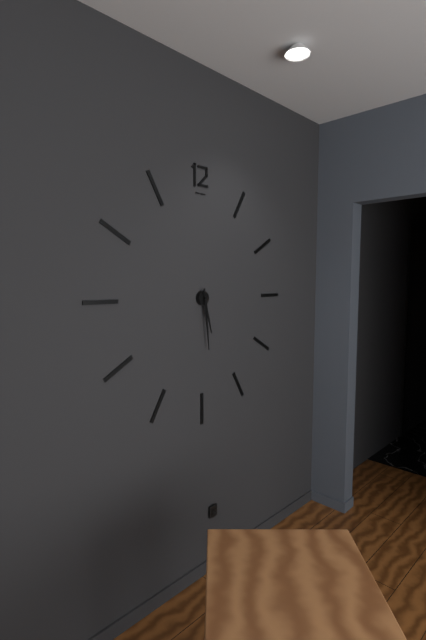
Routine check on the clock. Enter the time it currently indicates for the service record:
5:29
